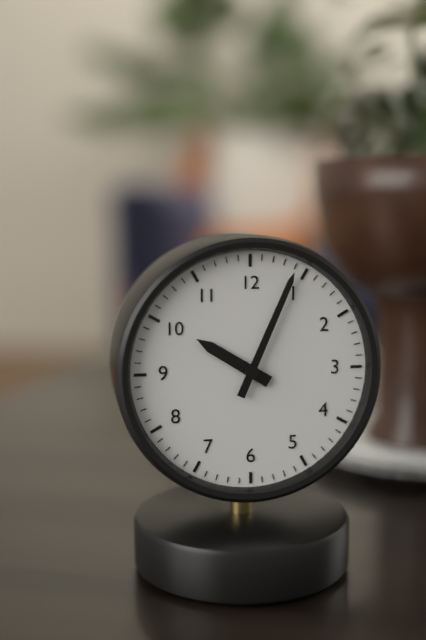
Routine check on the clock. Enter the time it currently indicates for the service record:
10:04
